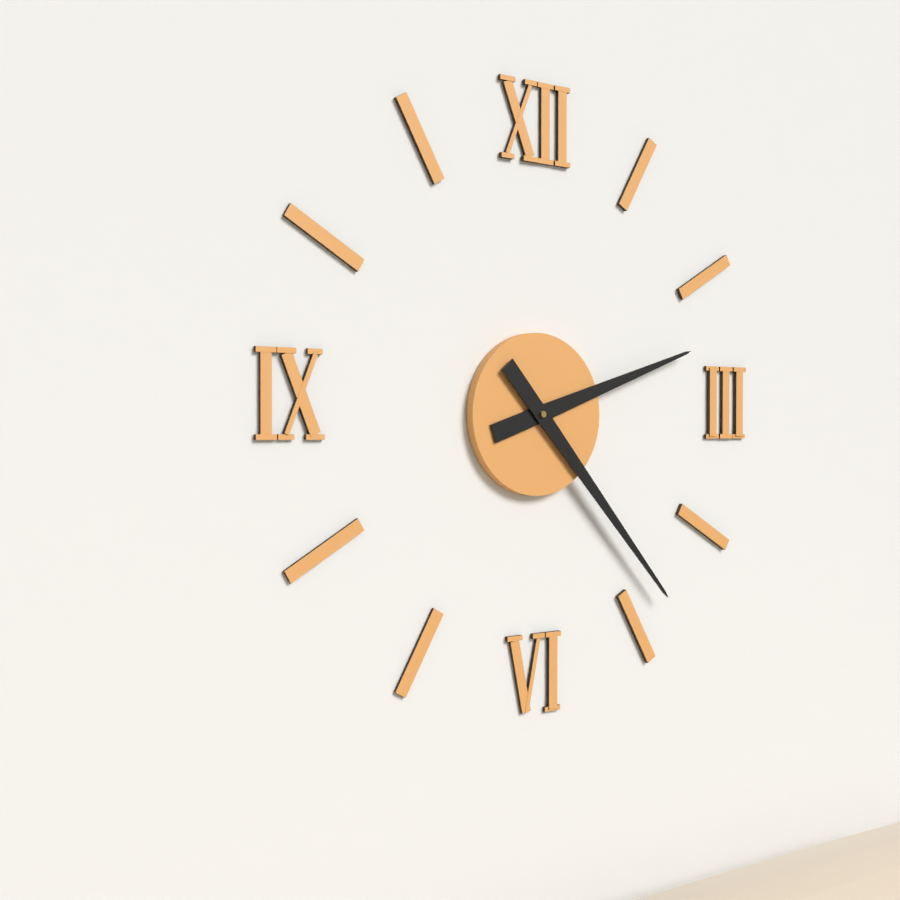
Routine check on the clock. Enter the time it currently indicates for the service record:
2:23
